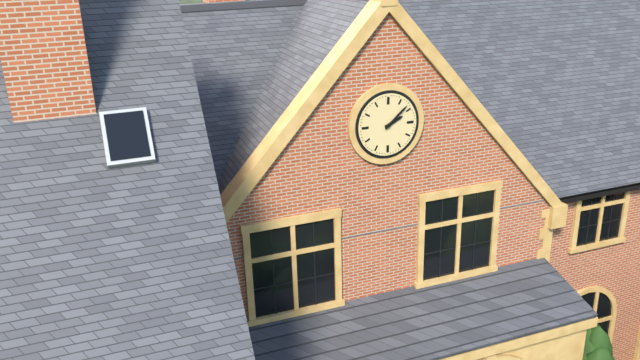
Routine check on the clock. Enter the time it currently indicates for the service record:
2:08
